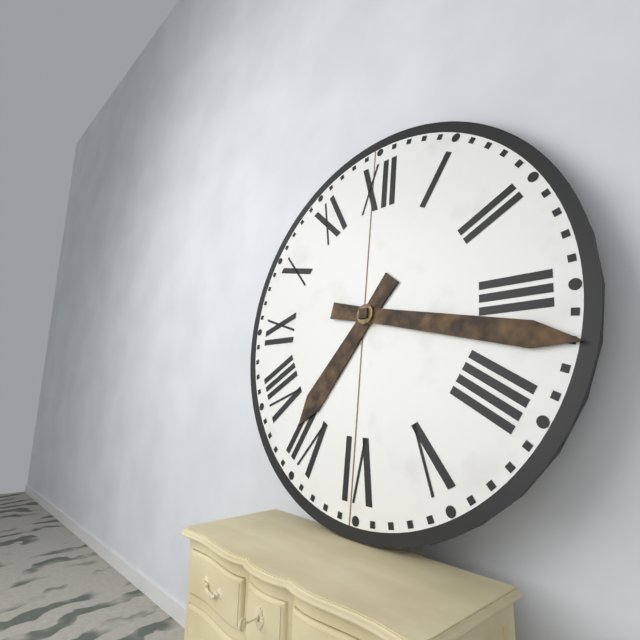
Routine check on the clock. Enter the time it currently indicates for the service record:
7:17
